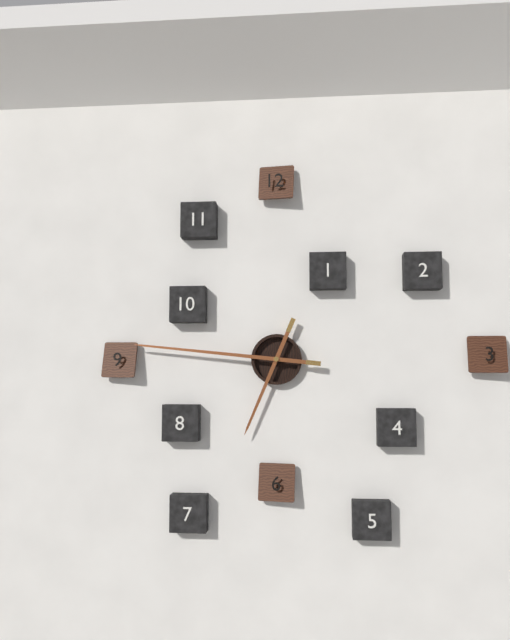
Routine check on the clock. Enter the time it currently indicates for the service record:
6:46
